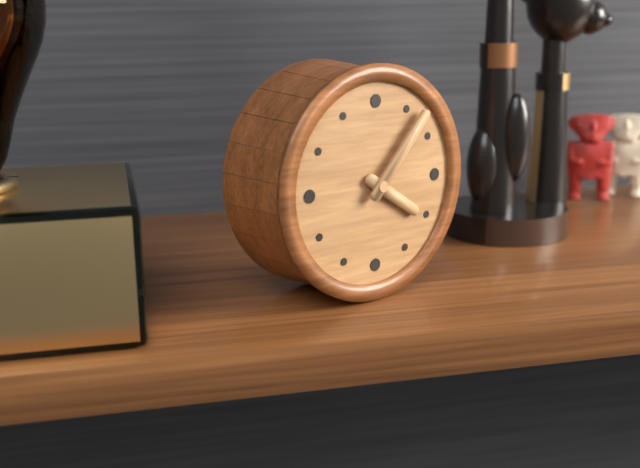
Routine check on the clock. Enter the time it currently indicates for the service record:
4:07
